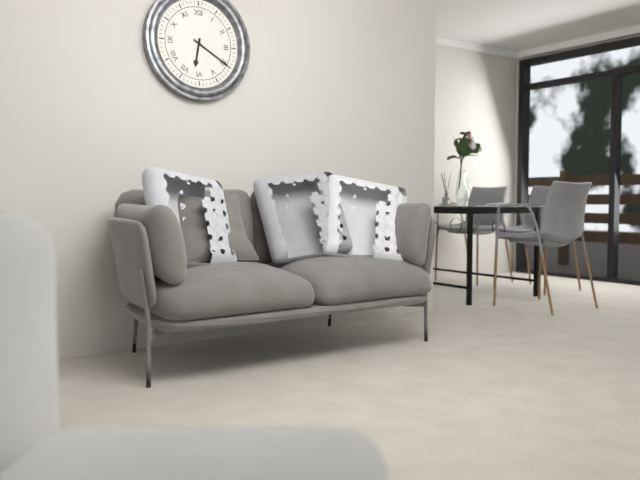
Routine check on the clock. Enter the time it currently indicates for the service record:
6:20
